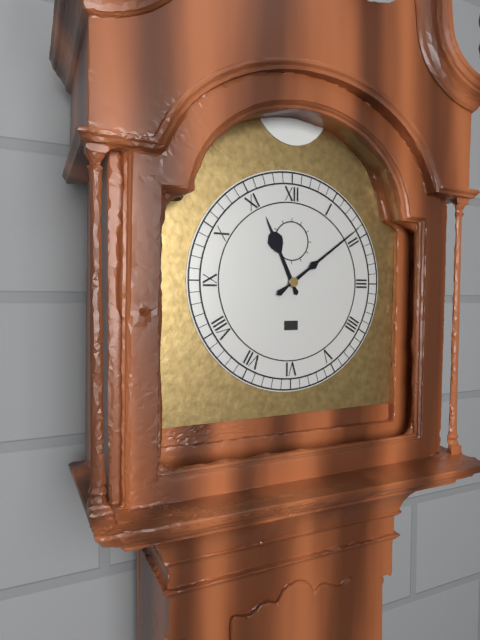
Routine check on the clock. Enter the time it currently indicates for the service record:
11:09
